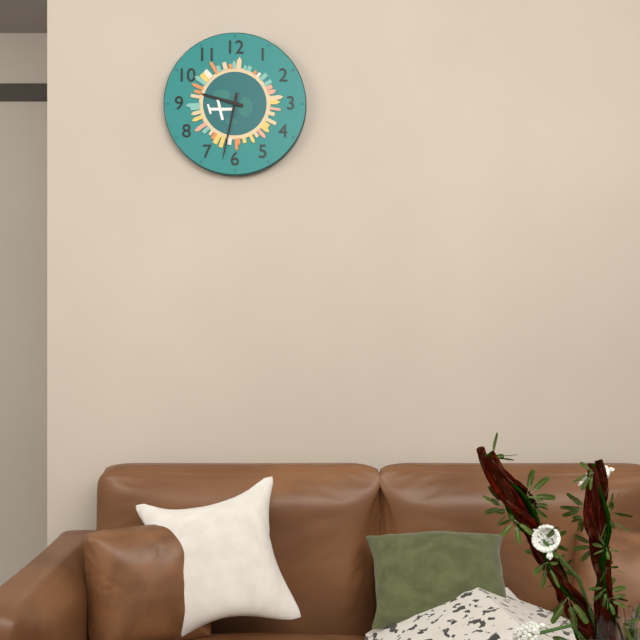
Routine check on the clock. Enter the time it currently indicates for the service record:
9:32
